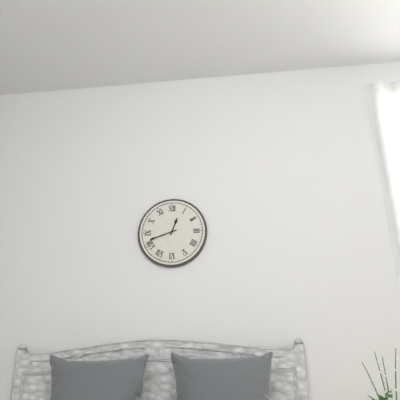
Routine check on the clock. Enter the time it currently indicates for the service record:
12:42
